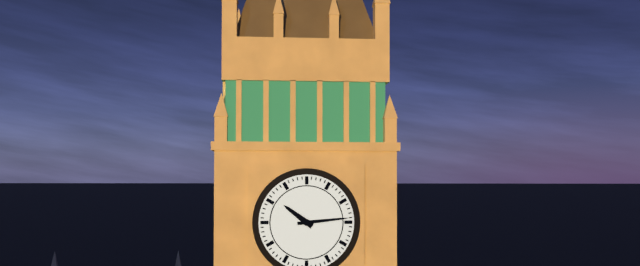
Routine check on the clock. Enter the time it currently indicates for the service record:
10:14
